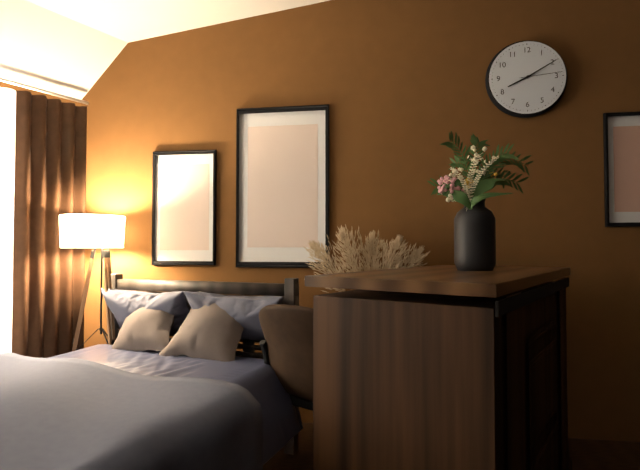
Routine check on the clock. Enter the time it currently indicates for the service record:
8:10
